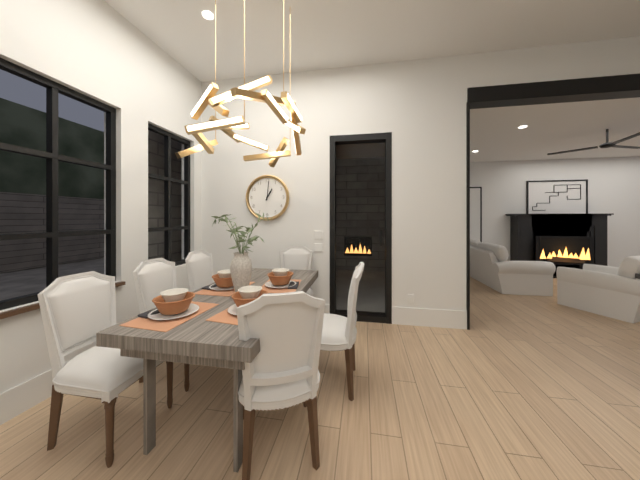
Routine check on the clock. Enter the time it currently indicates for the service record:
1:01
